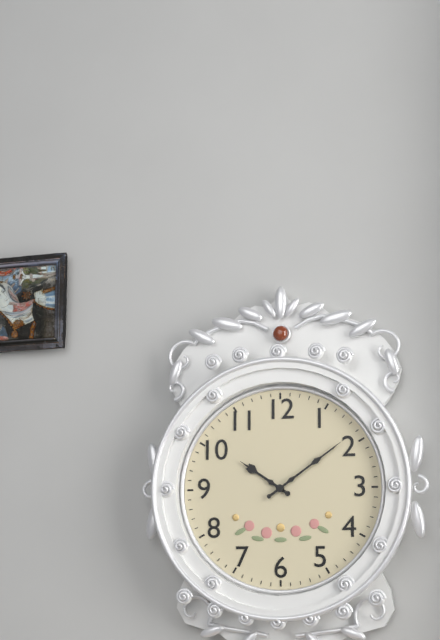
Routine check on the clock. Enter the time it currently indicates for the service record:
10:09
